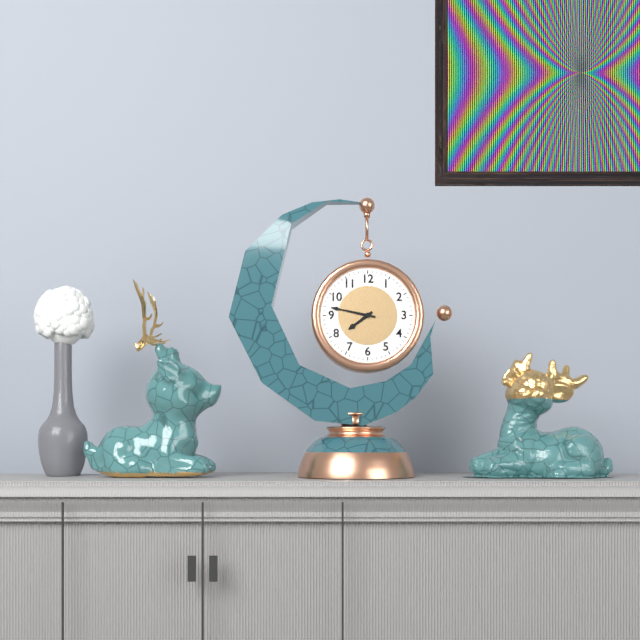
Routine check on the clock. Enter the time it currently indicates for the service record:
7:47
